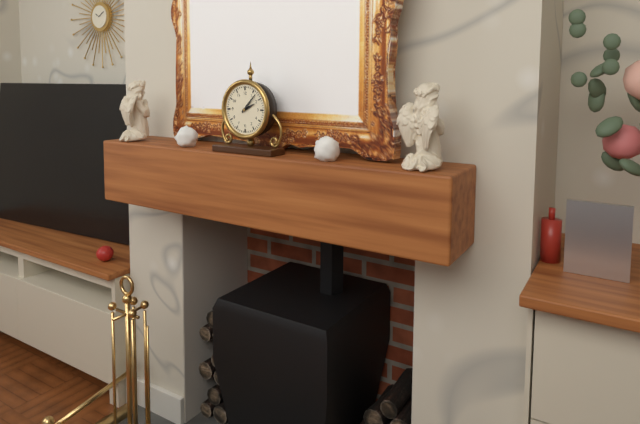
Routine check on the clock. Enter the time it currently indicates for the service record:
2:07
